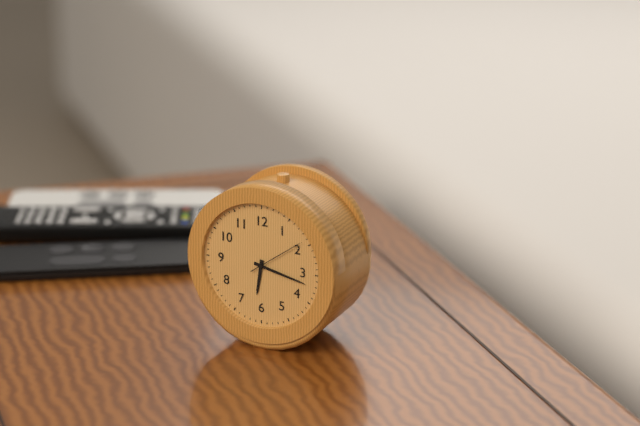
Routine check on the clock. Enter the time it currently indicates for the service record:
6:17:09
